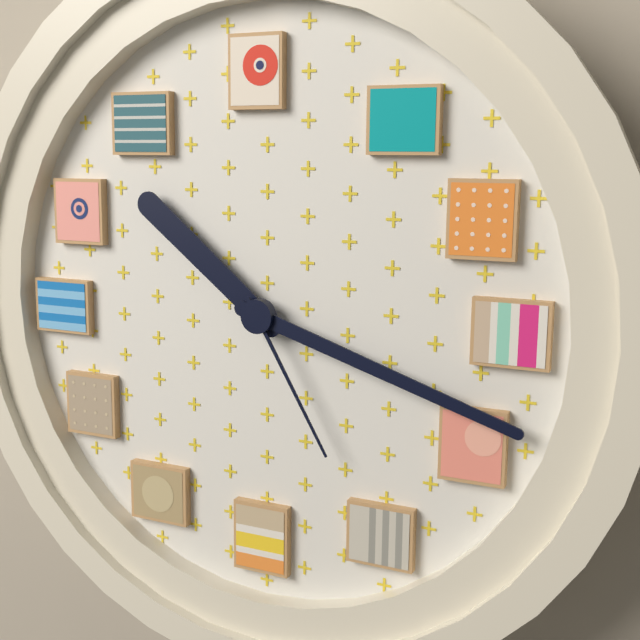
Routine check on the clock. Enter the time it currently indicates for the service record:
10:18:25
